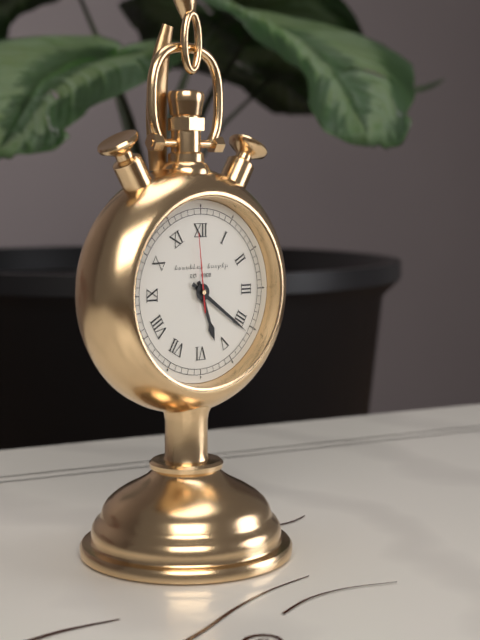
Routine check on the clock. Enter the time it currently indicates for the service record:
5:21:59
